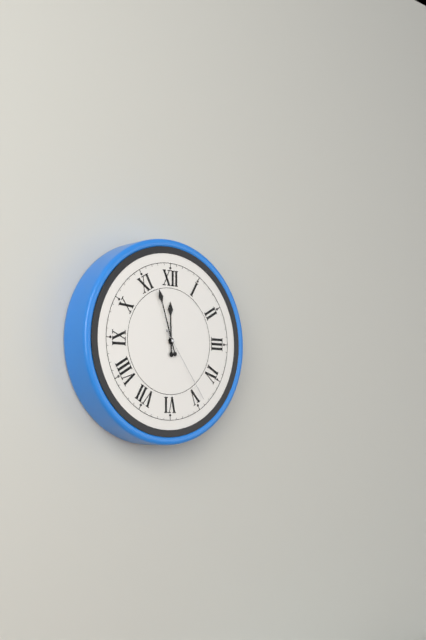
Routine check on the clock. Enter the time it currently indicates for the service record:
11:57:24
